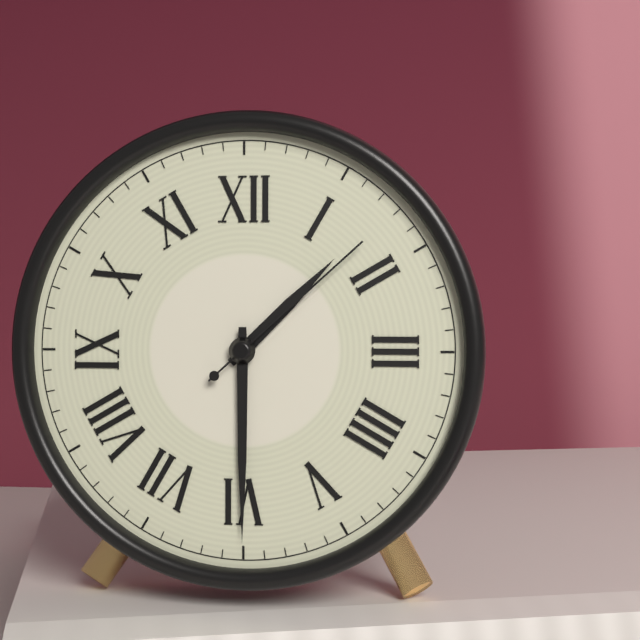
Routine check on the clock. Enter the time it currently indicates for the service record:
1:30:08
